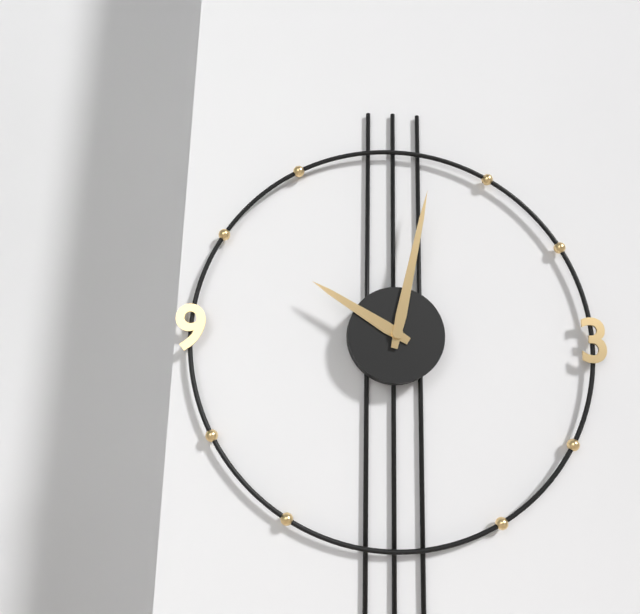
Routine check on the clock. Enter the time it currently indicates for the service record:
10:02
